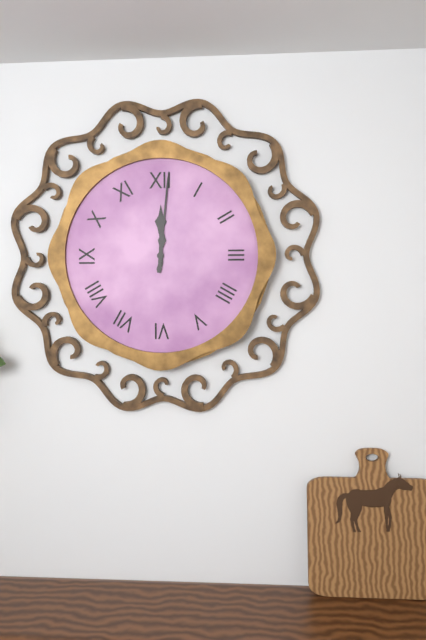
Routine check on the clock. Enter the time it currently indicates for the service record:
12:01
